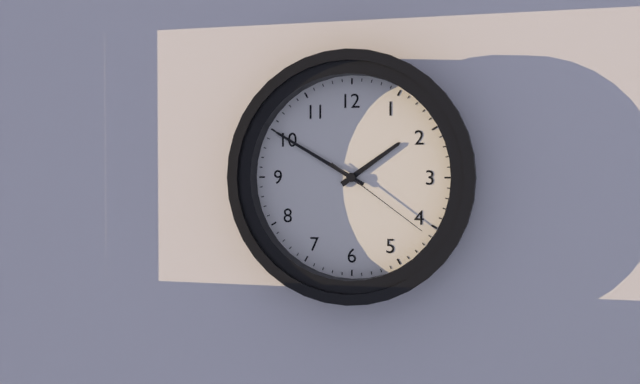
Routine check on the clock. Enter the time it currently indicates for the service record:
1:50:21
